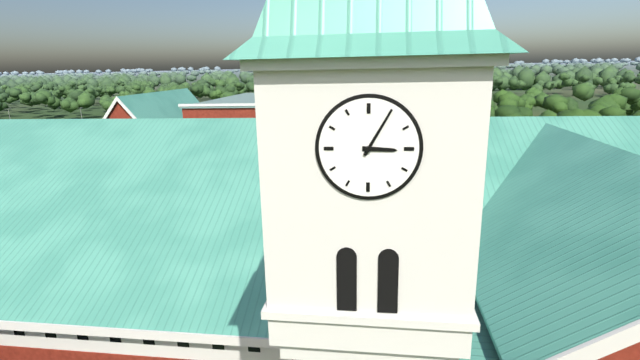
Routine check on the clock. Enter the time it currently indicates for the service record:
3:05
